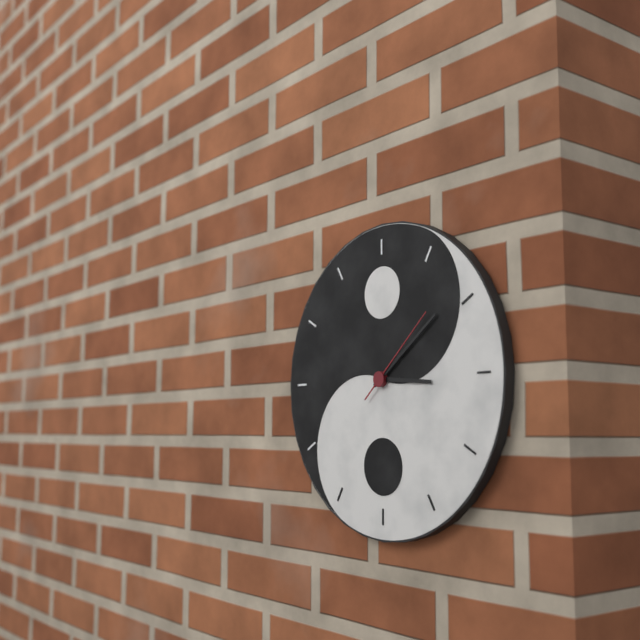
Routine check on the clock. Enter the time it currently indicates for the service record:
3:09:08
